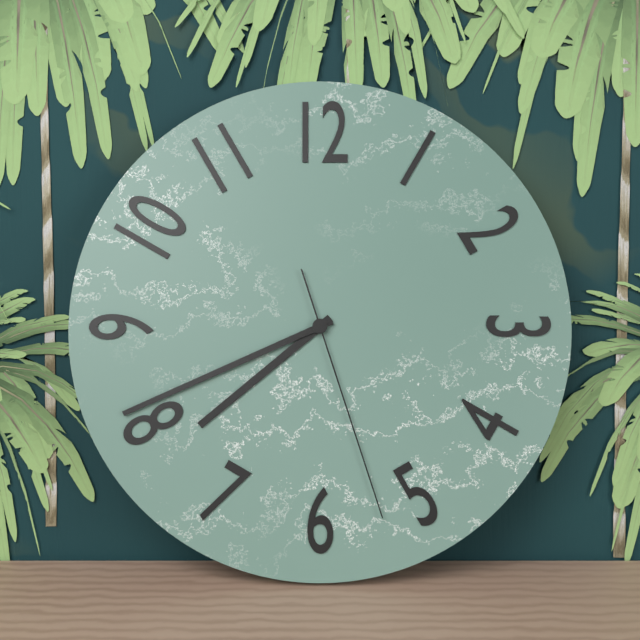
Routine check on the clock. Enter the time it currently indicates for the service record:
7:41:27
